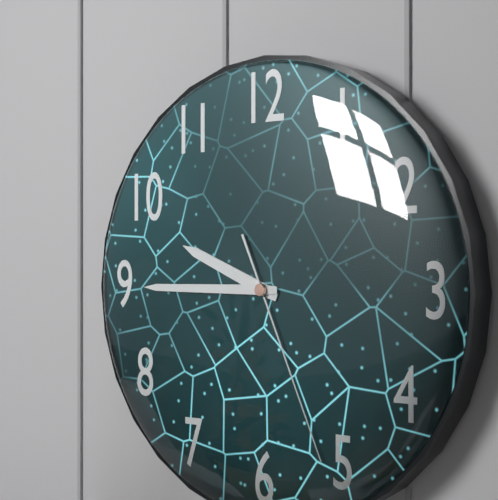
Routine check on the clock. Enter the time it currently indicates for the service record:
9:45:26
